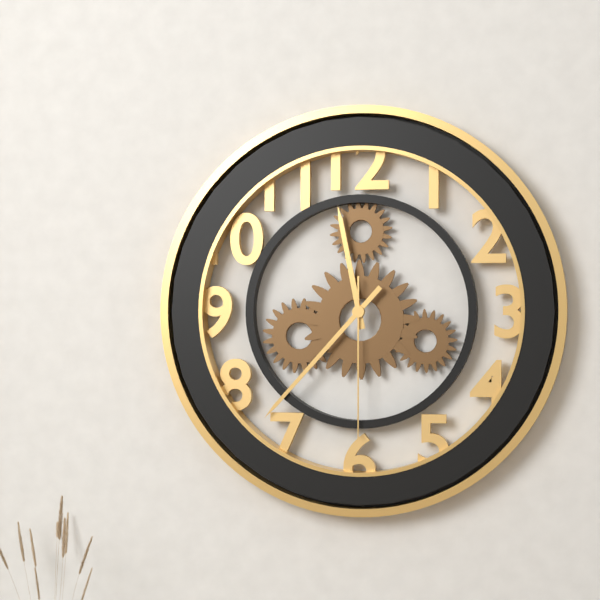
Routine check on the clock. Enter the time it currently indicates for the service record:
11:37:30
